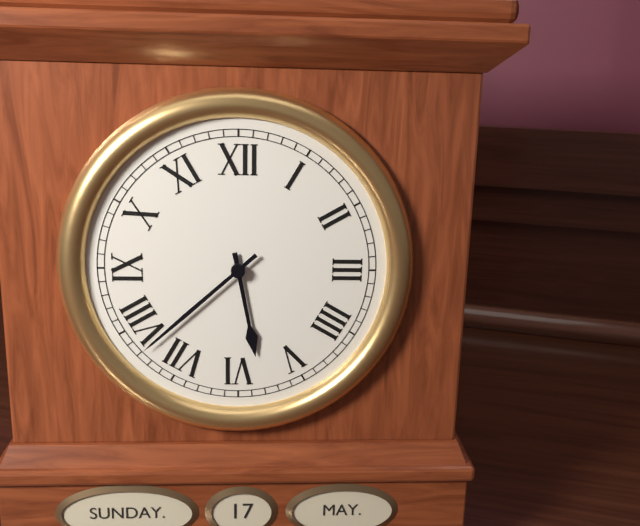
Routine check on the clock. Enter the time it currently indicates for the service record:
5:38
